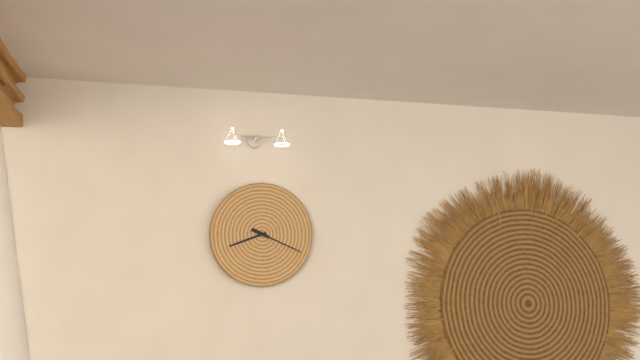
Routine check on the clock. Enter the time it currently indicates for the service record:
8:19
